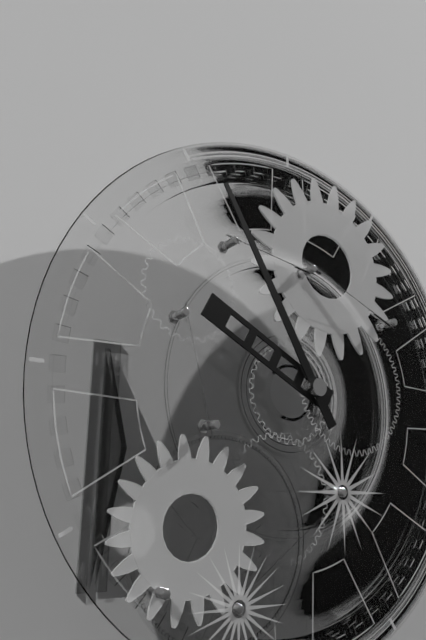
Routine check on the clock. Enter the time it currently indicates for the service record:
9:55
